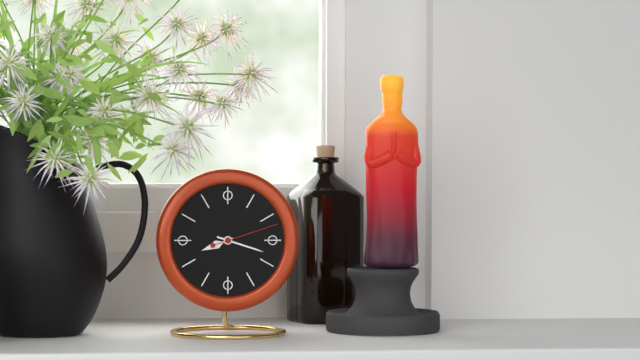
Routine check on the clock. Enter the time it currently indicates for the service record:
8:18:12
